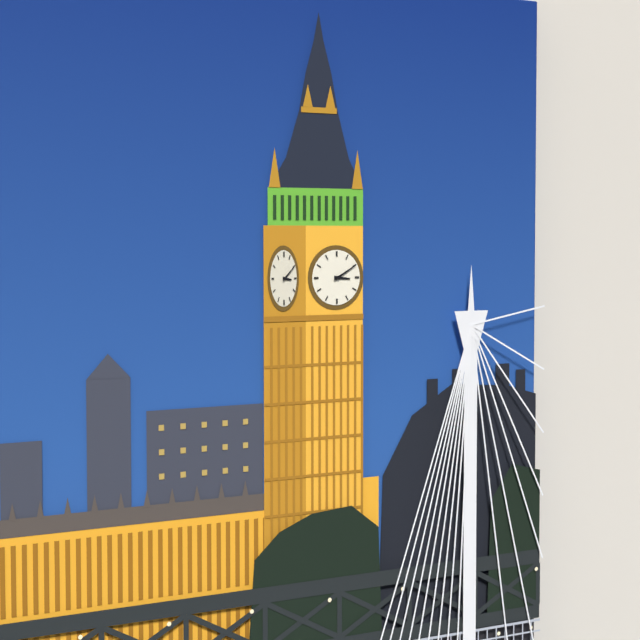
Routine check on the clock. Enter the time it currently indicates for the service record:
3:10
